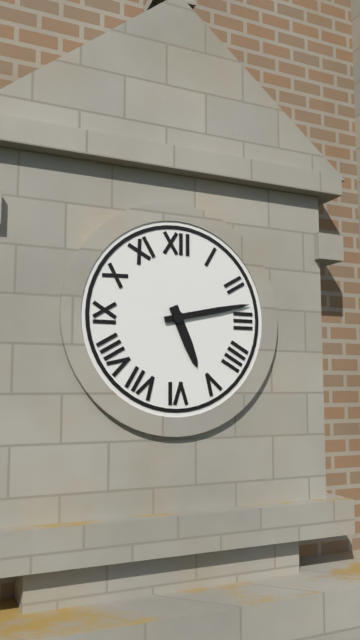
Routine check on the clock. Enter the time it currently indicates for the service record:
5:13
